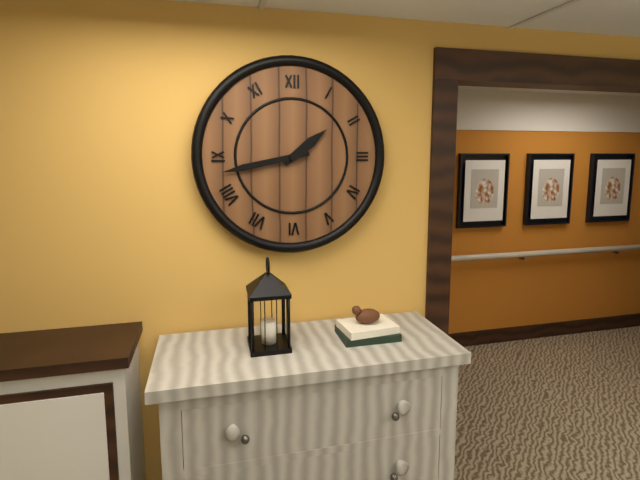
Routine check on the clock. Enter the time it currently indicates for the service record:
1:43
